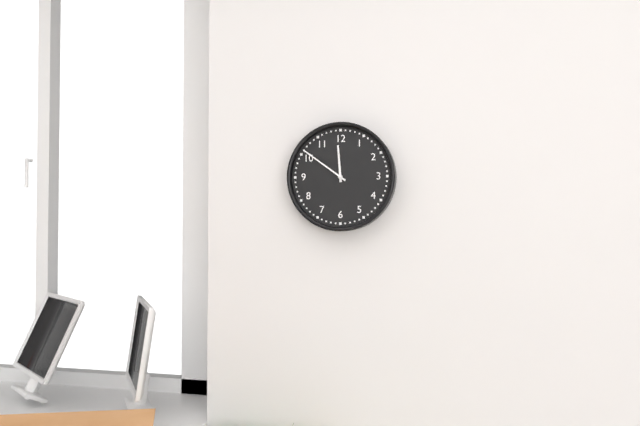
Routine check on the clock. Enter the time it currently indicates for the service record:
11:51
